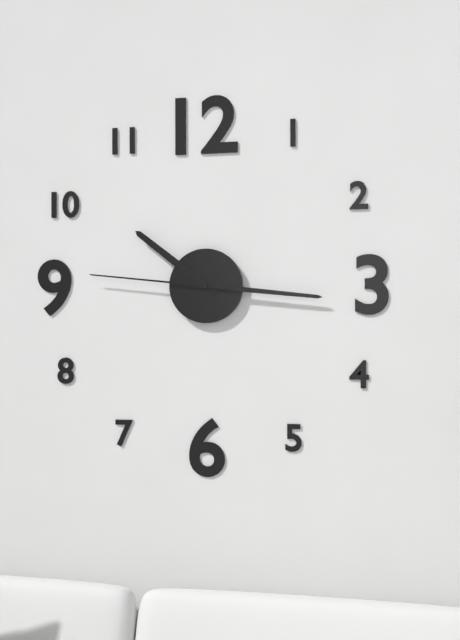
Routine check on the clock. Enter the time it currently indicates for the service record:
10:16:46
